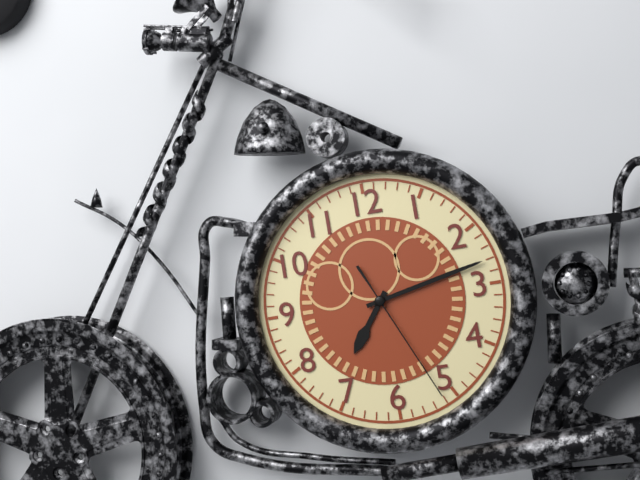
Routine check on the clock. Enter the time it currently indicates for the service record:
7:13:26
